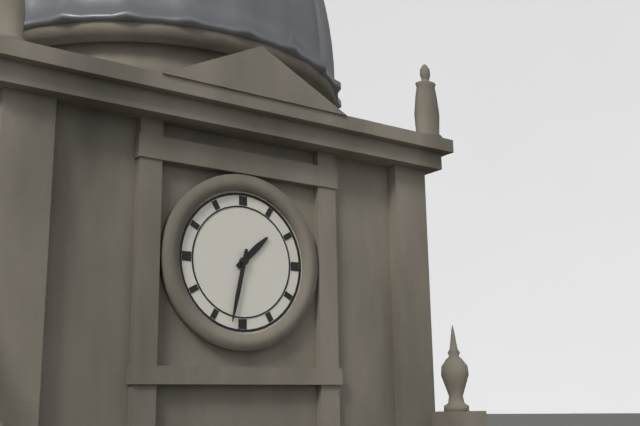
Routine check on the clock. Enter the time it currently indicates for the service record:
1:32
